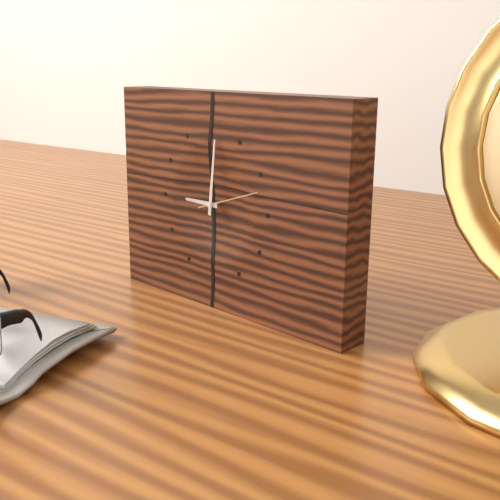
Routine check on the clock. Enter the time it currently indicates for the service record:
9:01:12
